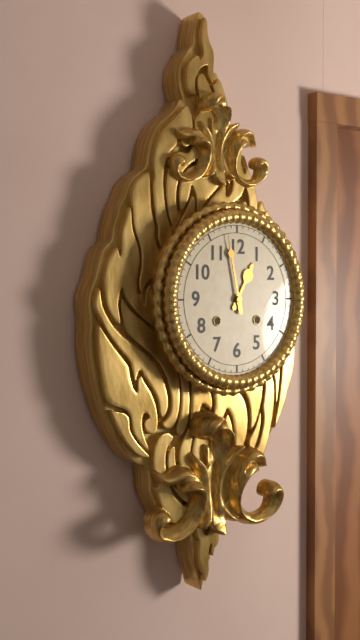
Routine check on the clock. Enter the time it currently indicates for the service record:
12:58
